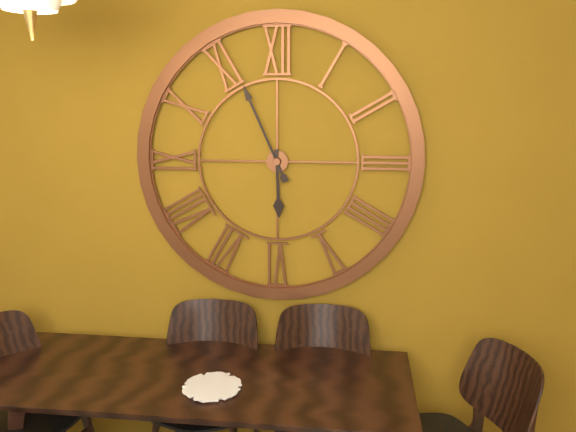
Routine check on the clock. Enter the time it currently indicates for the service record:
5:56
